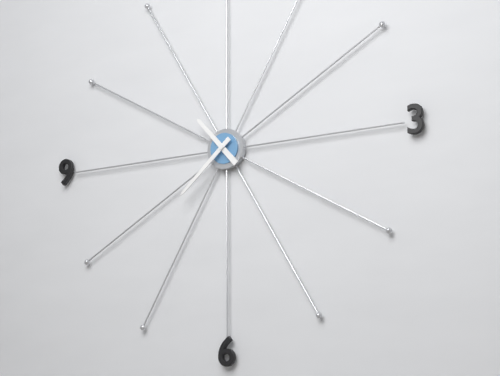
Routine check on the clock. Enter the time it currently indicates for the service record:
10:38
